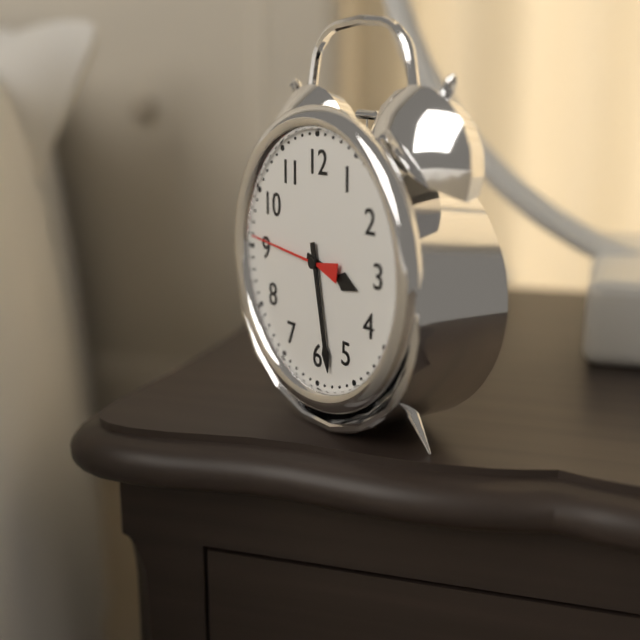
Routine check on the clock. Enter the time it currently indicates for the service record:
3:28:46
